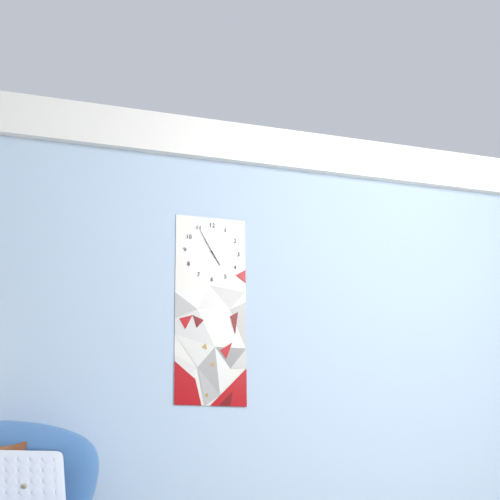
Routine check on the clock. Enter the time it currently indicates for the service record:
4:55
